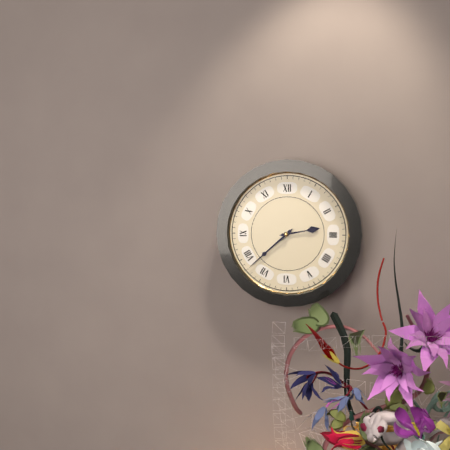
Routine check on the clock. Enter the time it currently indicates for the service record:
2:38
